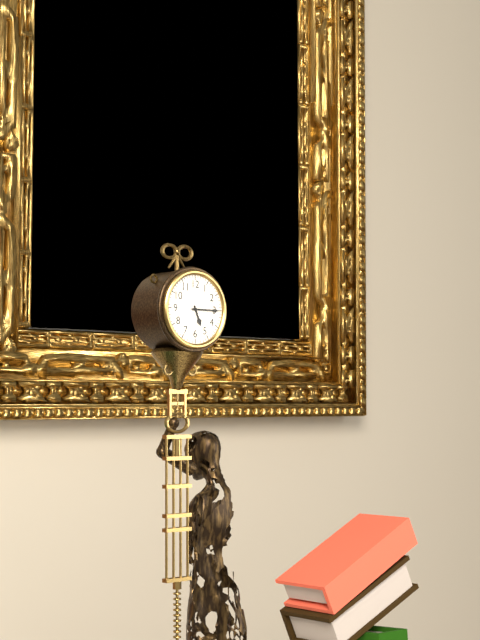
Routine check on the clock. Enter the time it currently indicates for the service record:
5:15
